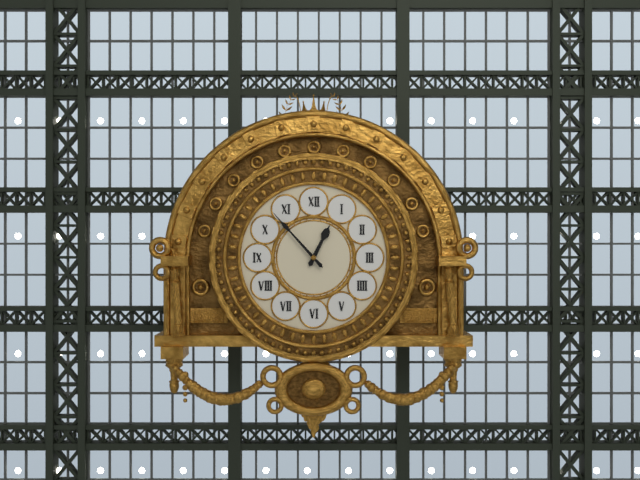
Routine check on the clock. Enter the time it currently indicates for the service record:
12:53
